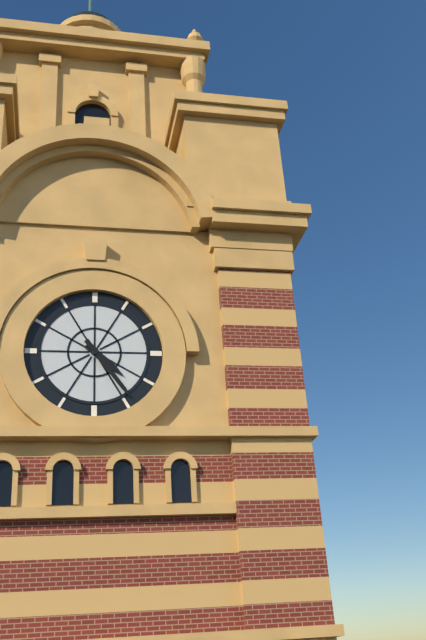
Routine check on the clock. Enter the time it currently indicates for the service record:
4:24
